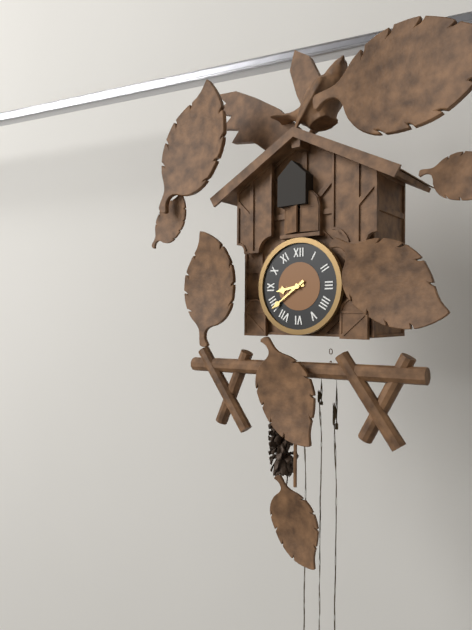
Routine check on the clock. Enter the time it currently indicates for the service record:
8:39
